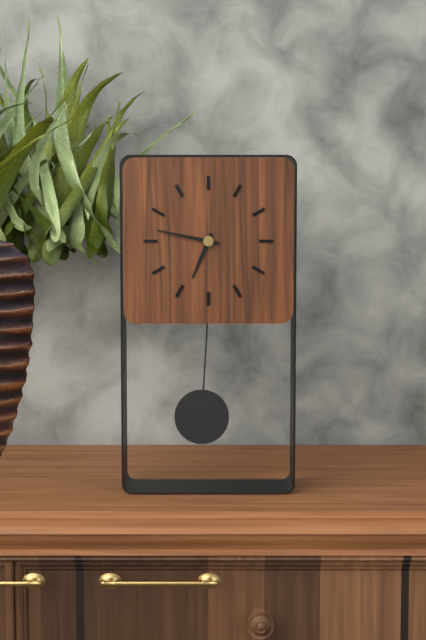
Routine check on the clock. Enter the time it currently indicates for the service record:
6:47
